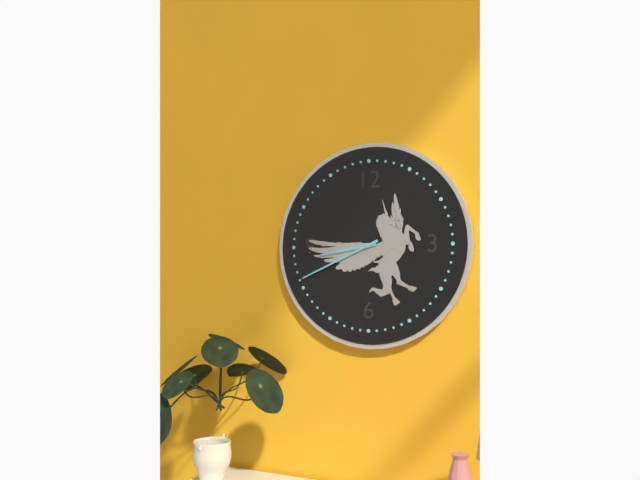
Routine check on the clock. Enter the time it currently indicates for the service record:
8:41
